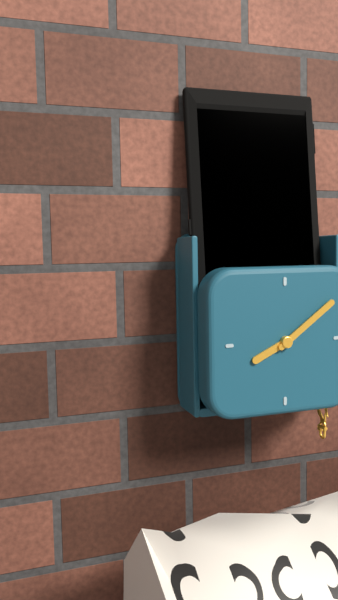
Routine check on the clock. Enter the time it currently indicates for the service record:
8:09
